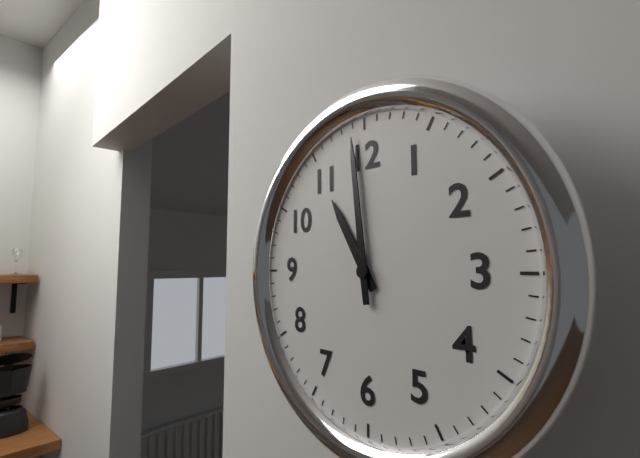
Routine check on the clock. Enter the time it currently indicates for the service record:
10:59
